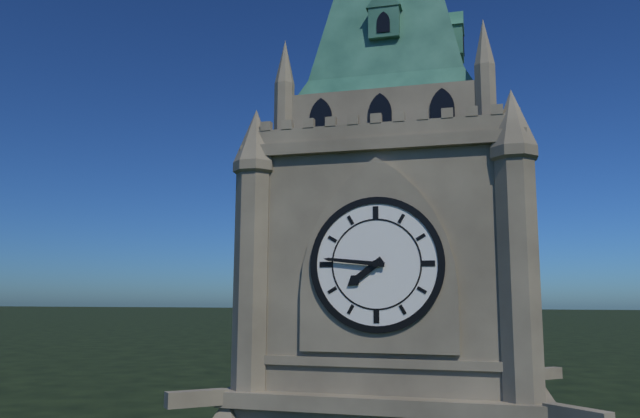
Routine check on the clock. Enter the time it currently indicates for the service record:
7:46
